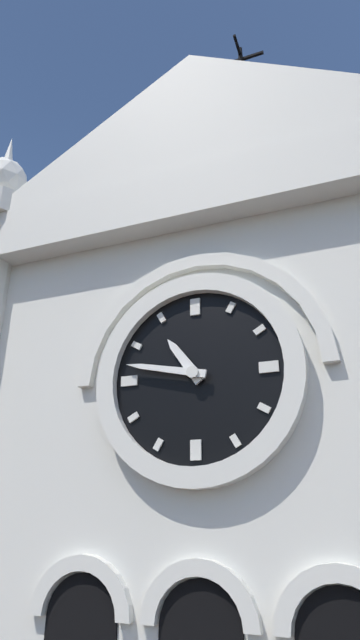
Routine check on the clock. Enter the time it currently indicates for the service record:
10:47
